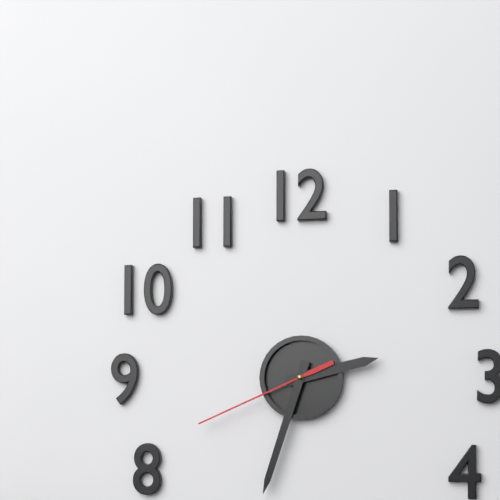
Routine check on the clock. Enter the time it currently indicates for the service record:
2:33:41
